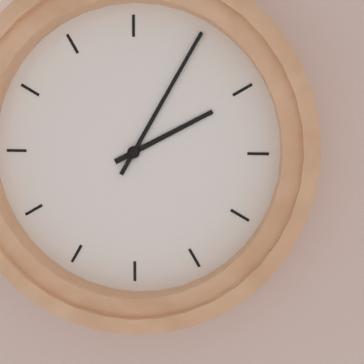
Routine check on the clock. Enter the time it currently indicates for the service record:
2:05
